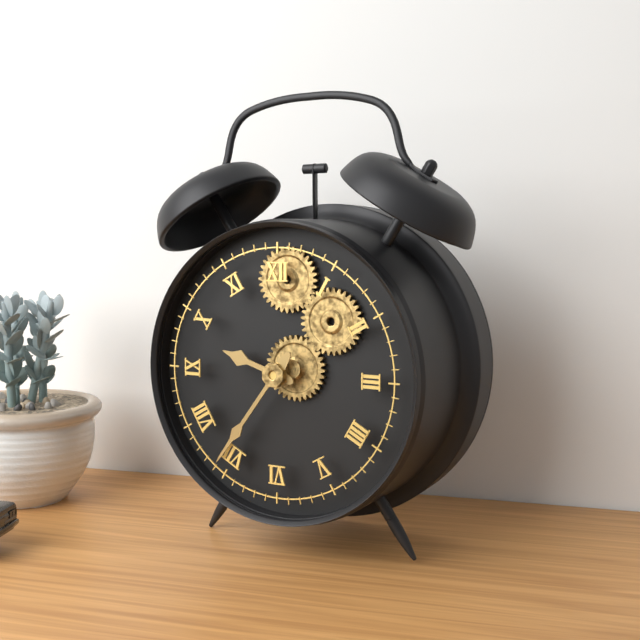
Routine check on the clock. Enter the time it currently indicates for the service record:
9:36
